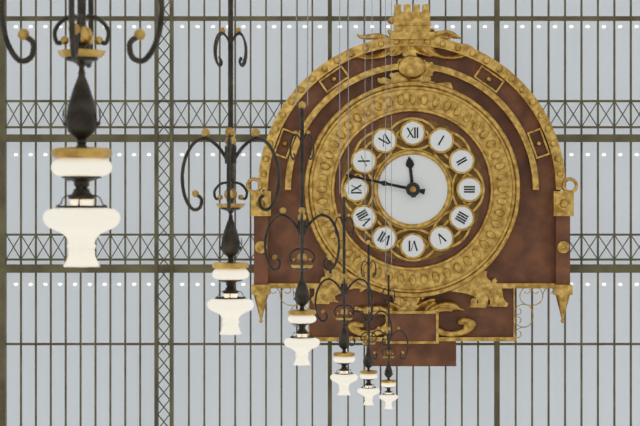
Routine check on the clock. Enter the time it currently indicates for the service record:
11:47
